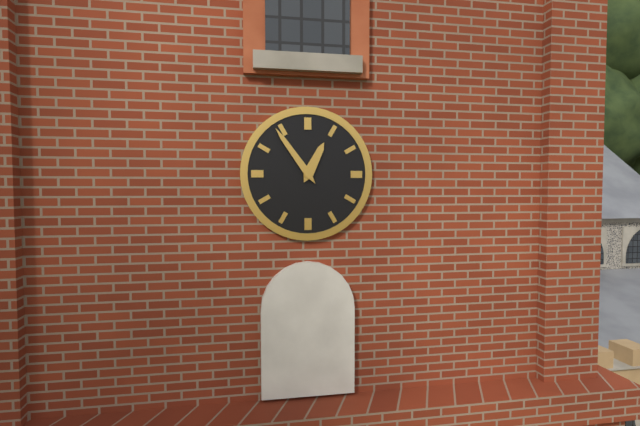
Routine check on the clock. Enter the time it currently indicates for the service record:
12:54
